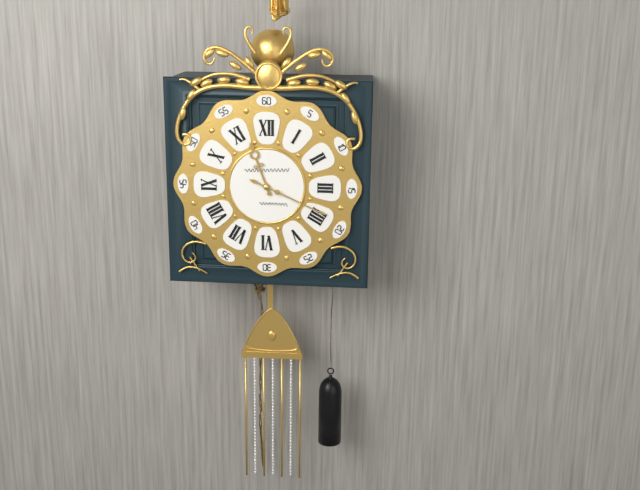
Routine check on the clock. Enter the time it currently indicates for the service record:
11:19
